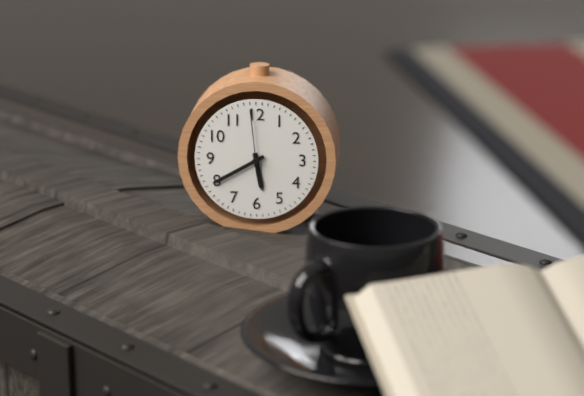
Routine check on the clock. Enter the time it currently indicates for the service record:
5:40:59
